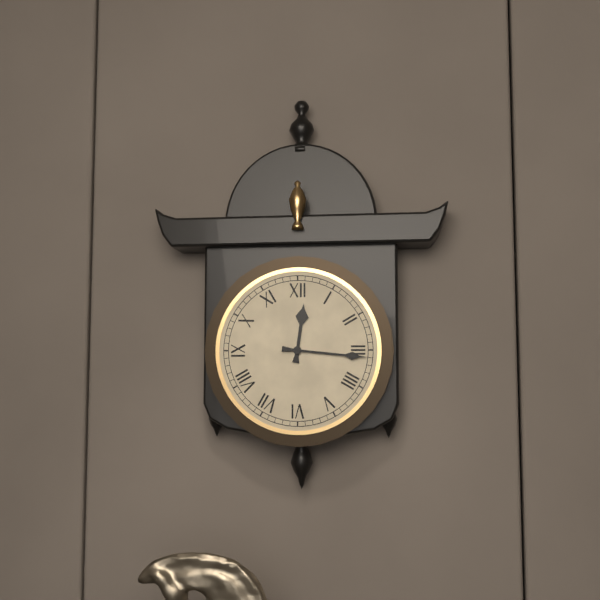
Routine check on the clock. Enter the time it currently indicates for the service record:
12:16
